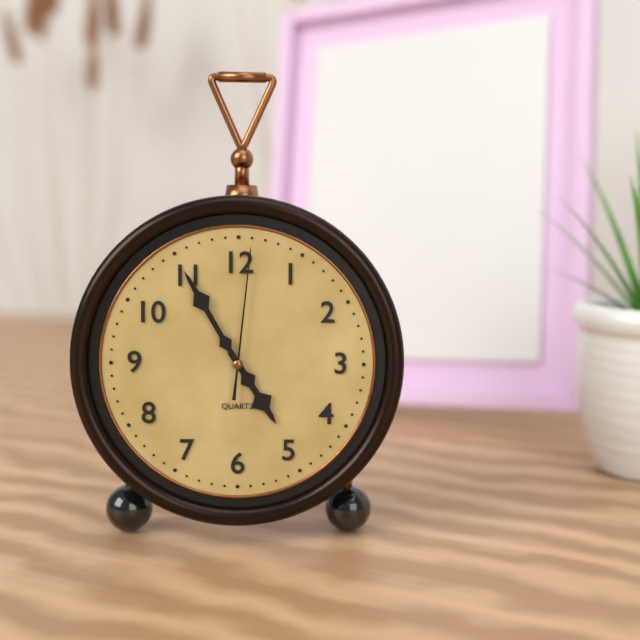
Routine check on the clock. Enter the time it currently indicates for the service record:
4:55:01
